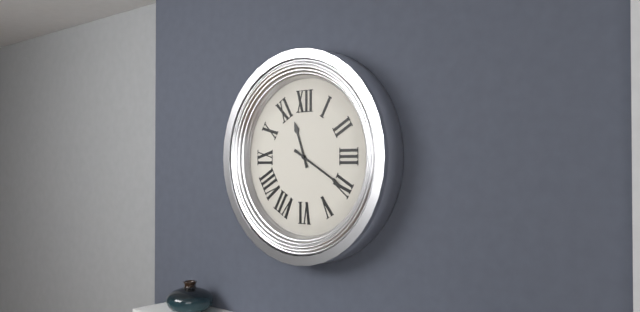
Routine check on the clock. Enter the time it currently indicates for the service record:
11:20
